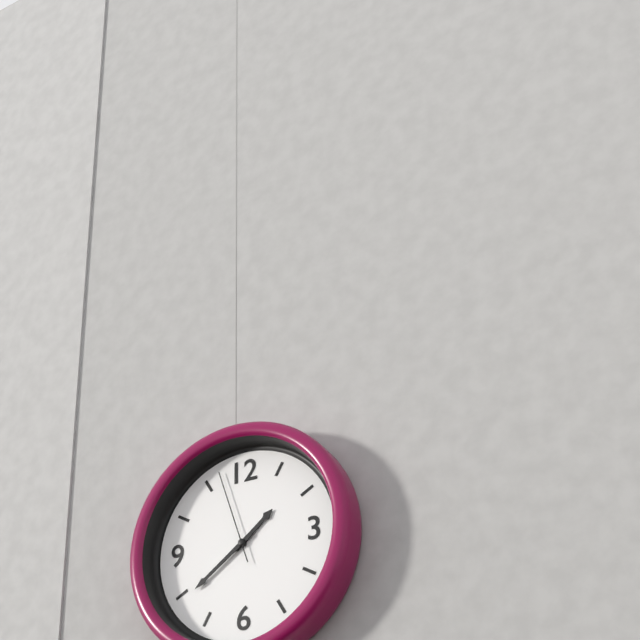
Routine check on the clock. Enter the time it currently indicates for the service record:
1:39:57
